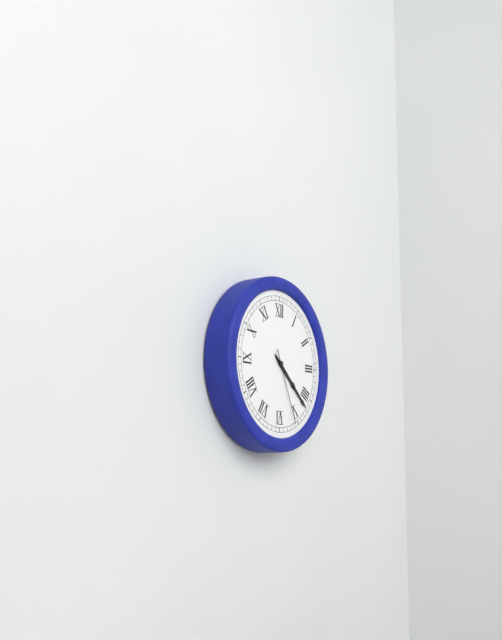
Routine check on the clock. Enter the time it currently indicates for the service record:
4:22:26
